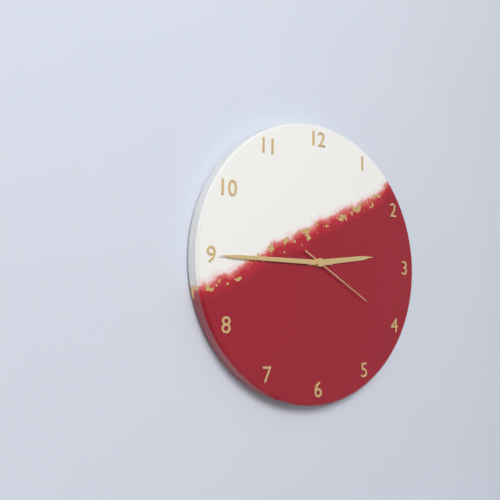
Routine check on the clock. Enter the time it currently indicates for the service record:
2:45:20
